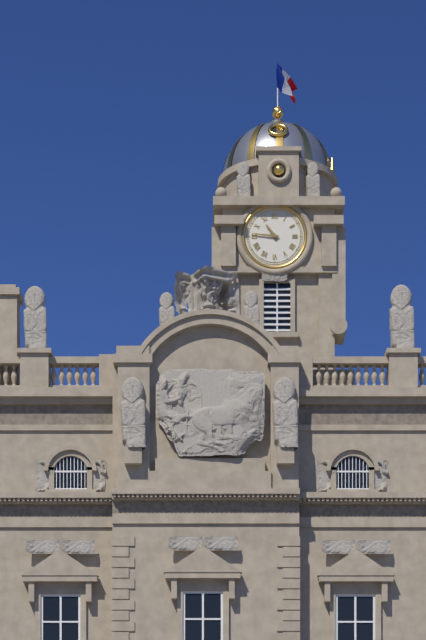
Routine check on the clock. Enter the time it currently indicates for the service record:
10:46
